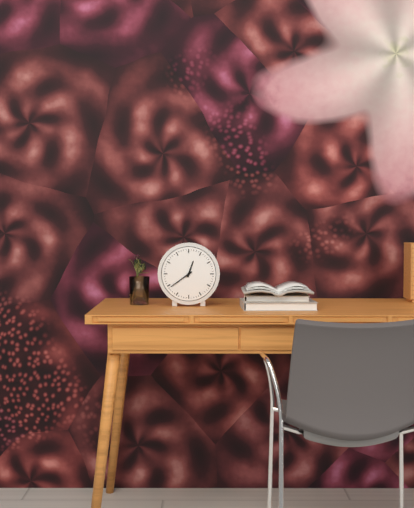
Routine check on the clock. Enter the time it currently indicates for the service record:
12:39
